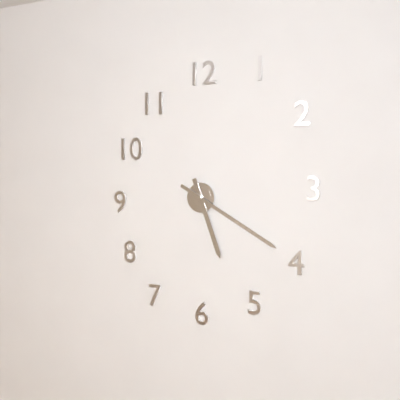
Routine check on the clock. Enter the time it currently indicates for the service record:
5:20
